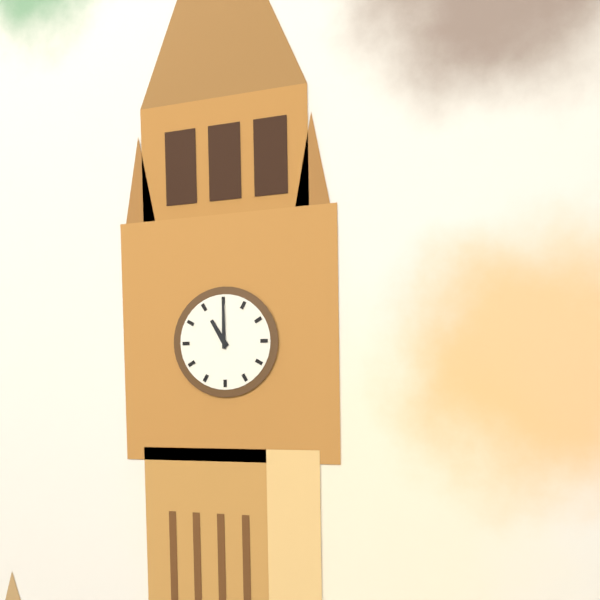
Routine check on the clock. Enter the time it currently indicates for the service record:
11:00
